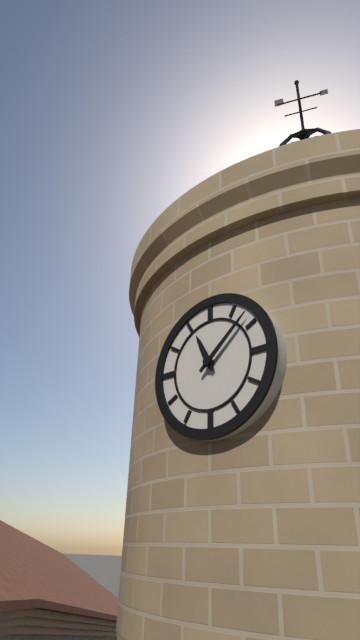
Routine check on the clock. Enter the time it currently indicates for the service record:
11:08
